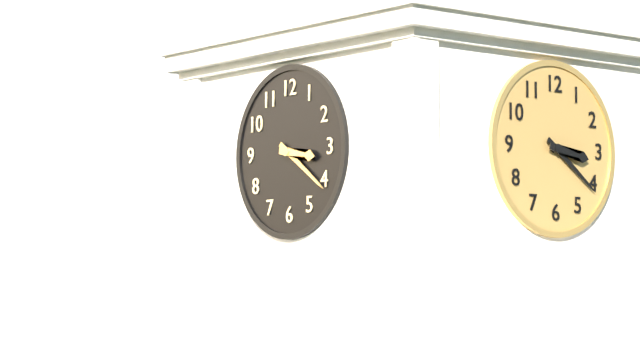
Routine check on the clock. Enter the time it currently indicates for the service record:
3:21
